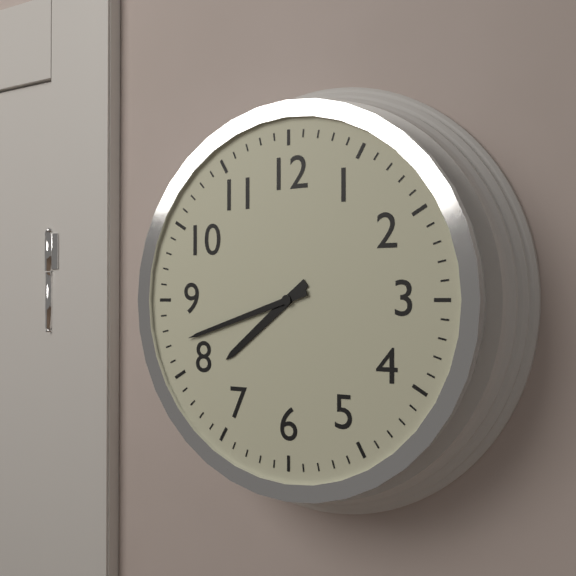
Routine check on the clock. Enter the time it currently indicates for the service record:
7:42
